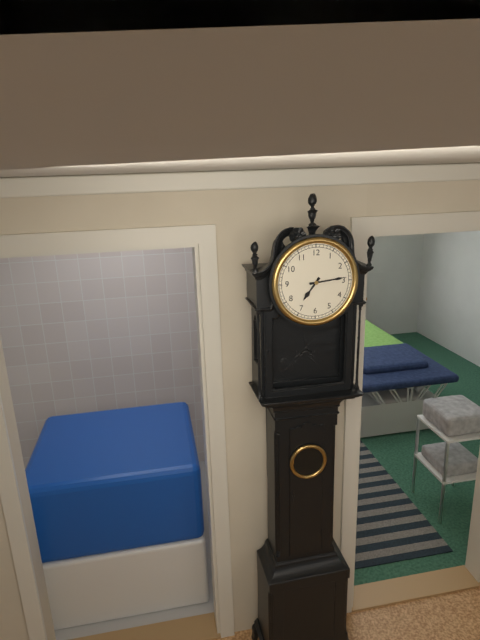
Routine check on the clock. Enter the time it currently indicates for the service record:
7:14
